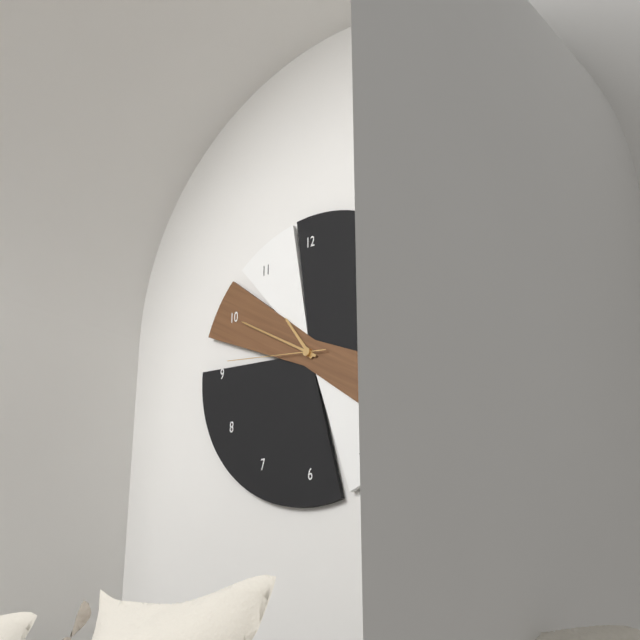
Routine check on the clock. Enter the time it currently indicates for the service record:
10:50:46
